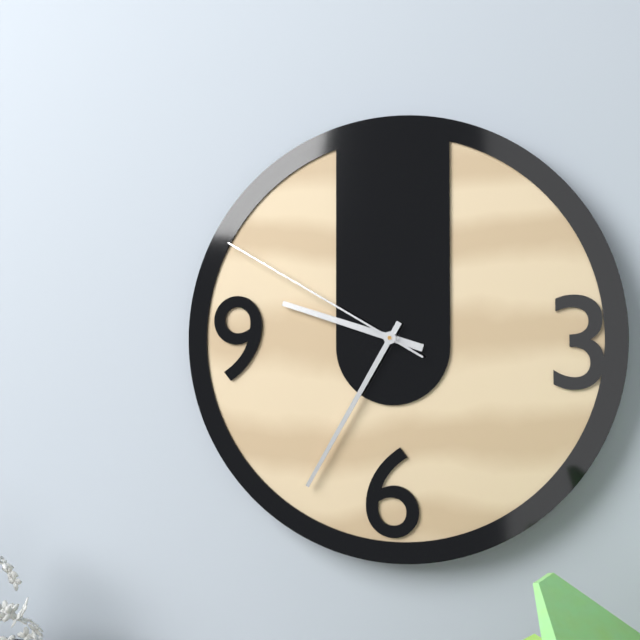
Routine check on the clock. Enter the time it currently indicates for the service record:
9:35:50
